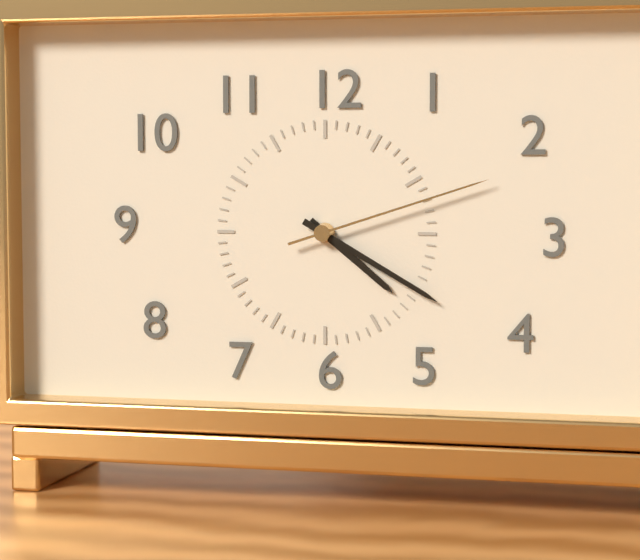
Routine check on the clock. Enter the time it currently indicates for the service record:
4:20:12
